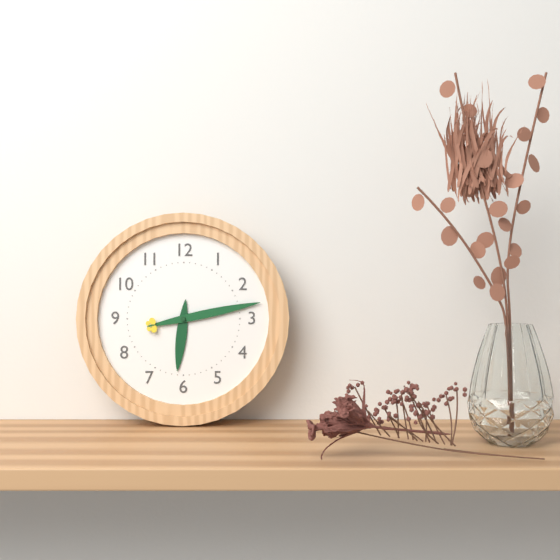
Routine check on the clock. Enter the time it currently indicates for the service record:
6:13
